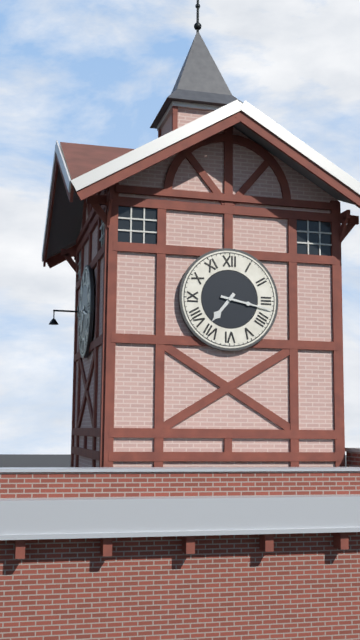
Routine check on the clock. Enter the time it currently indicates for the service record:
7:17
